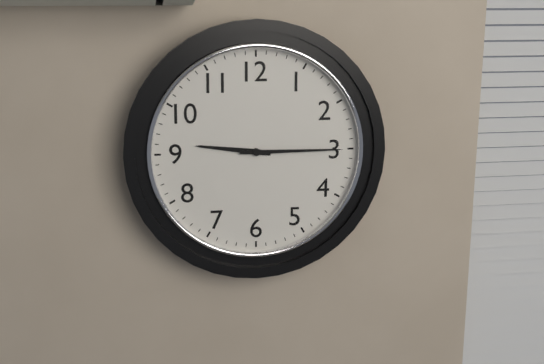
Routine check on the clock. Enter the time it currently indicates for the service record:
9:15
